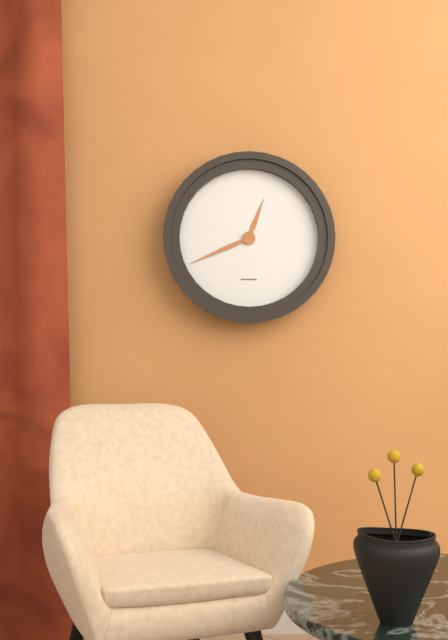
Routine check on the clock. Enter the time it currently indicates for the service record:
12:41
